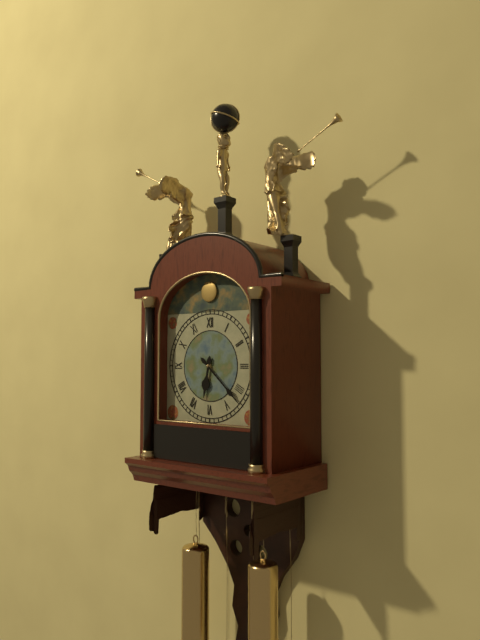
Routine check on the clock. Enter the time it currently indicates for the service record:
6:22
